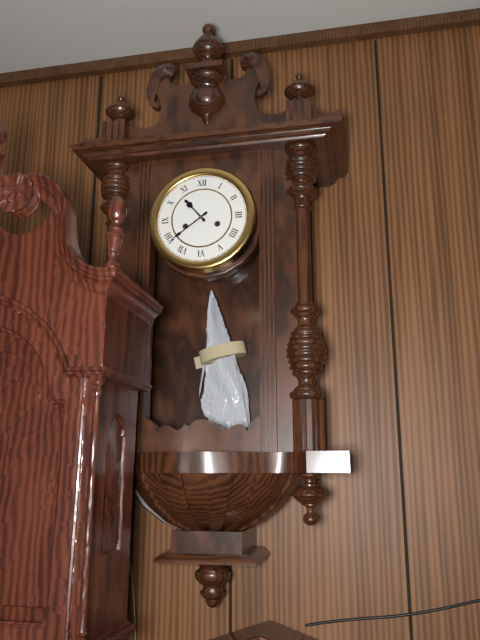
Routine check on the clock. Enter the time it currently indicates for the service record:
10:39
